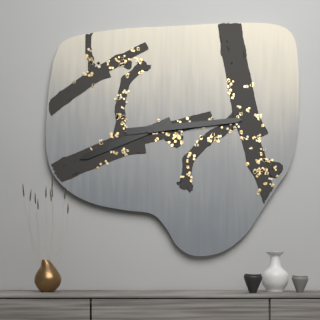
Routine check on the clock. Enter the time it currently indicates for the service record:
8:14
